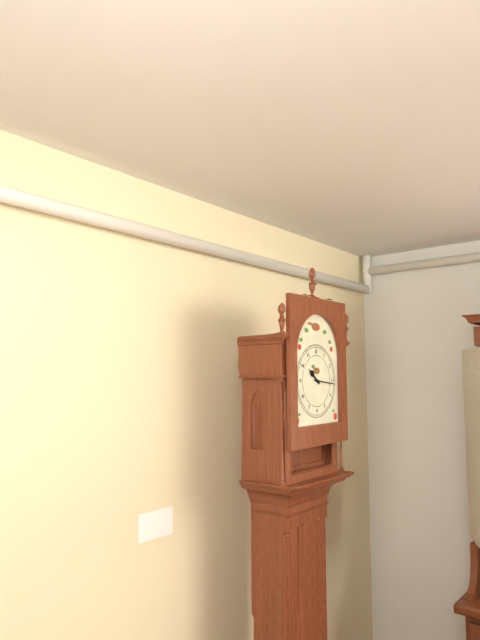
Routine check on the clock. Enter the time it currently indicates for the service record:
10:16
